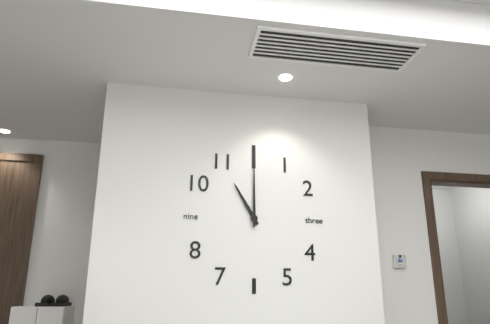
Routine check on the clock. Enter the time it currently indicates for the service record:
11:00
